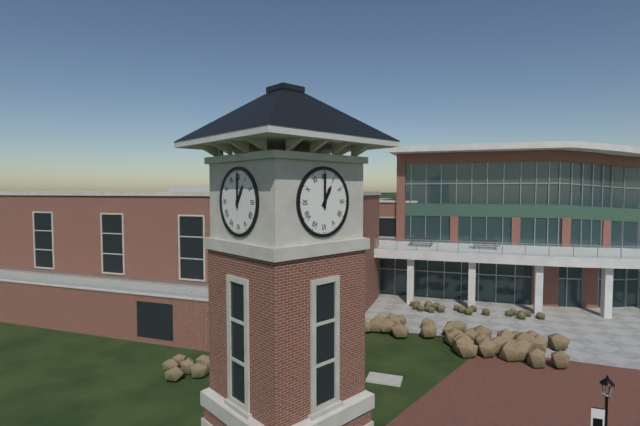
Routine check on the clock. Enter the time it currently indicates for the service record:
1:00
